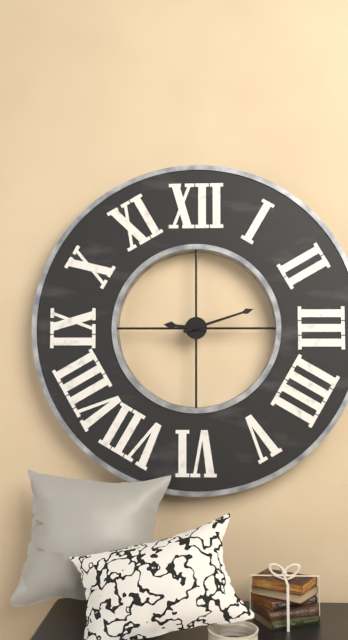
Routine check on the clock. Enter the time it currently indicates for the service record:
9:12
